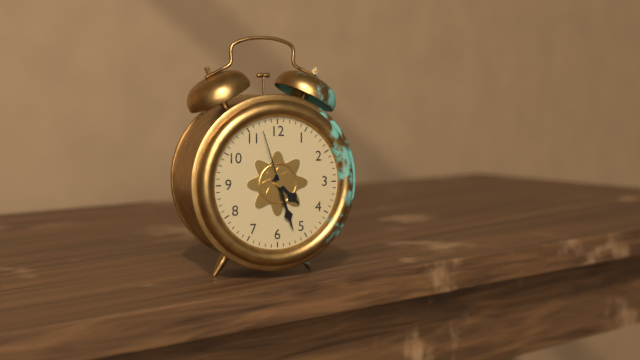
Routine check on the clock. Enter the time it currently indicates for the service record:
4:27:57
